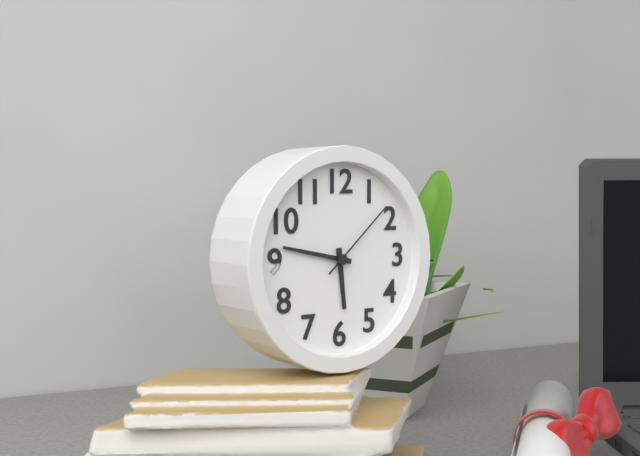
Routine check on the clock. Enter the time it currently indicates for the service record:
5:47:08
